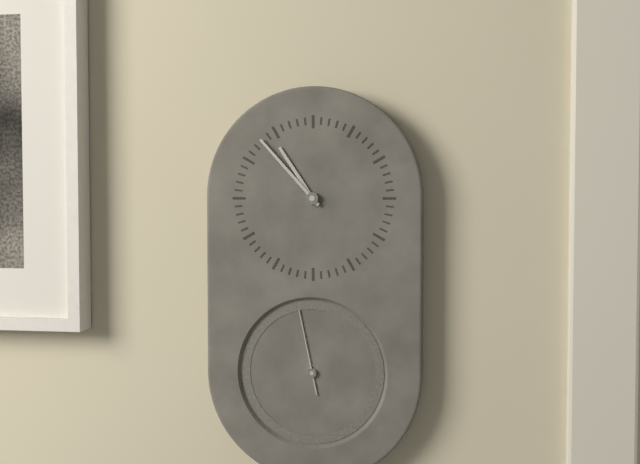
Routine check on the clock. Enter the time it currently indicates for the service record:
10:53:58
